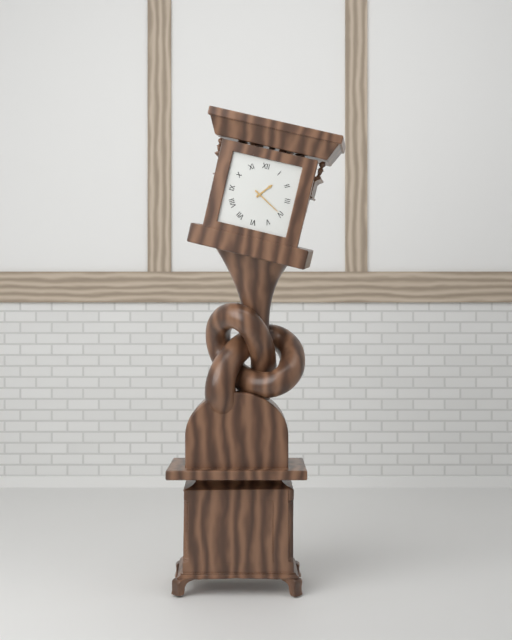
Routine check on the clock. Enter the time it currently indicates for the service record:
1:20
